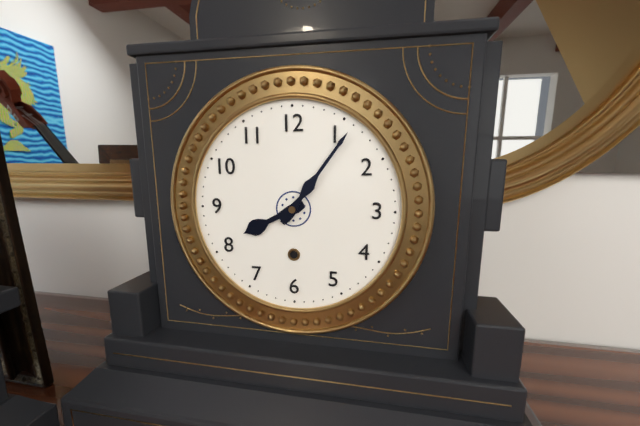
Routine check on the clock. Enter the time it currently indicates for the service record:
8:06
